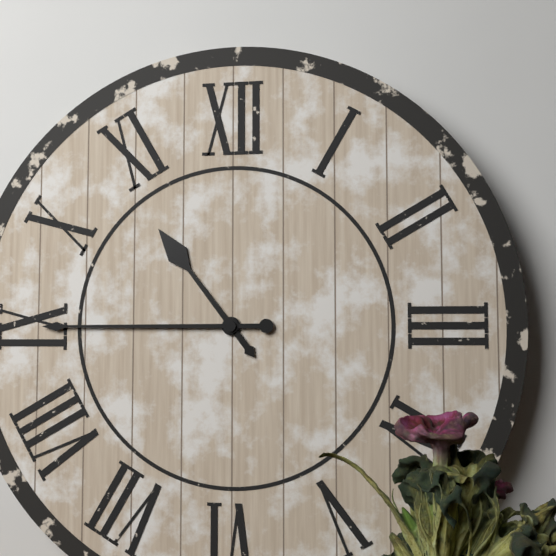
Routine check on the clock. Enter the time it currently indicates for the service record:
10:45
